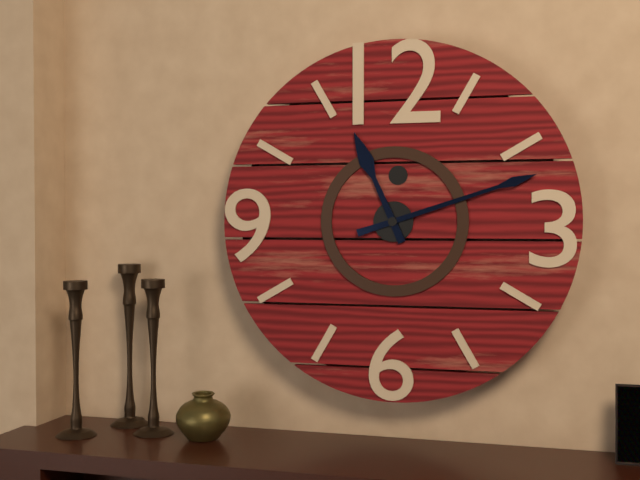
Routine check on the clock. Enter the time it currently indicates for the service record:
11:12
